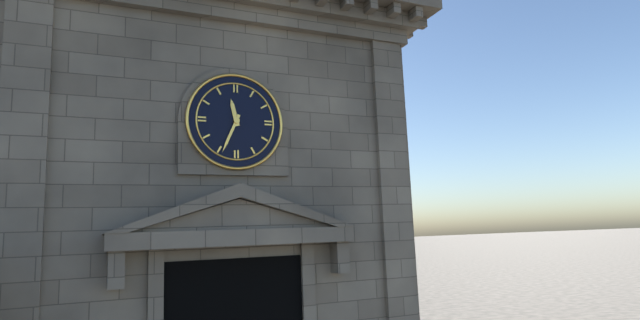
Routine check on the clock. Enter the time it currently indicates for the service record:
11:34
